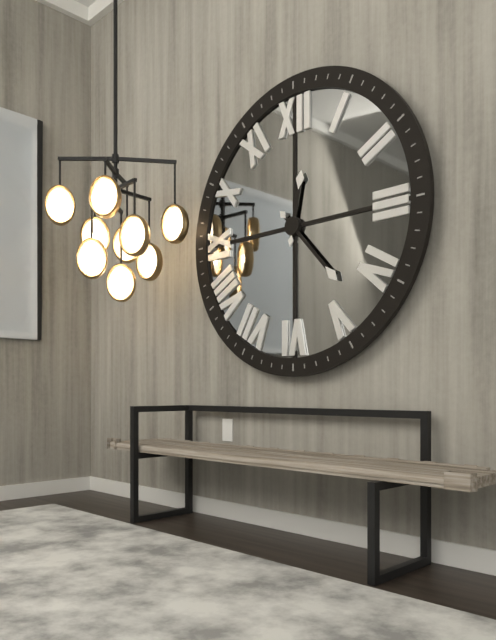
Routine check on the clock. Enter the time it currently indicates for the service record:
12:23
